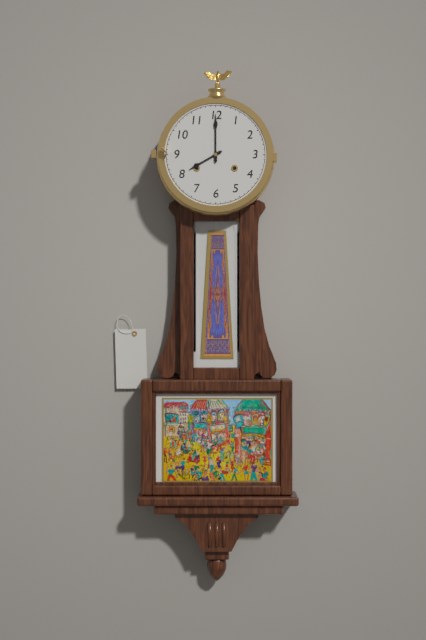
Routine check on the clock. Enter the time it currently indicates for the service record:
8:00
